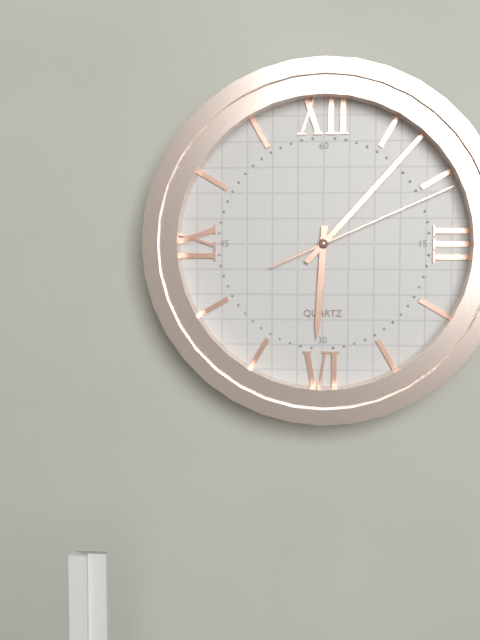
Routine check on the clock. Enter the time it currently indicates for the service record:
6:07:11
